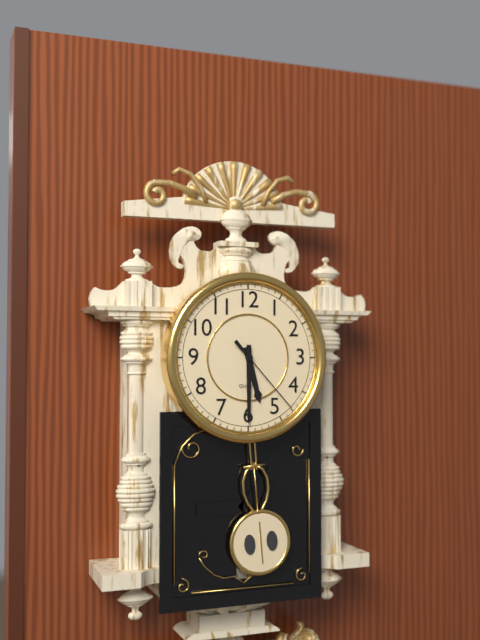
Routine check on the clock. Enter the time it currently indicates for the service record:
5:30:23
